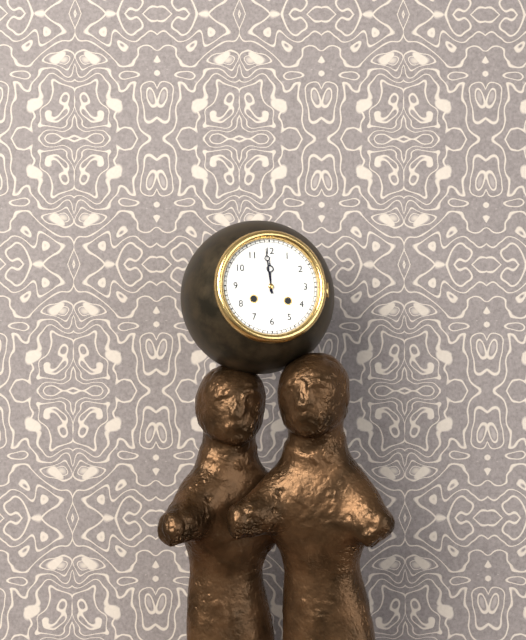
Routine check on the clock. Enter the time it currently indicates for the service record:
11:59
